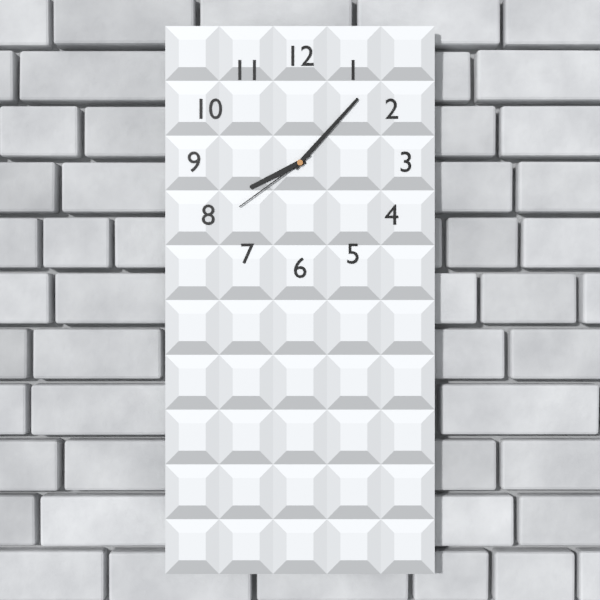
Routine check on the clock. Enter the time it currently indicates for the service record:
8:07:39
